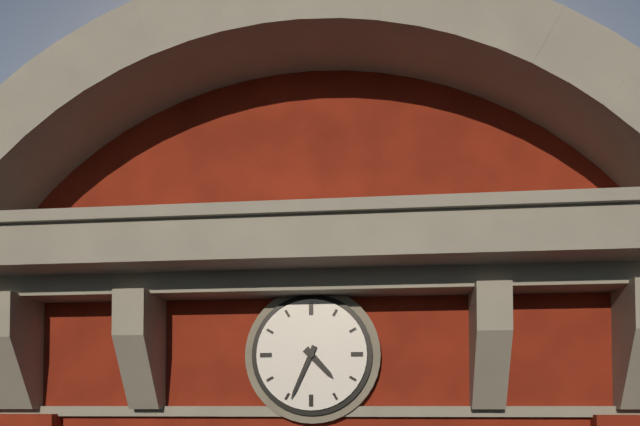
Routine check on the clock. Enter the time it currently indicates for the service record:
4:34
